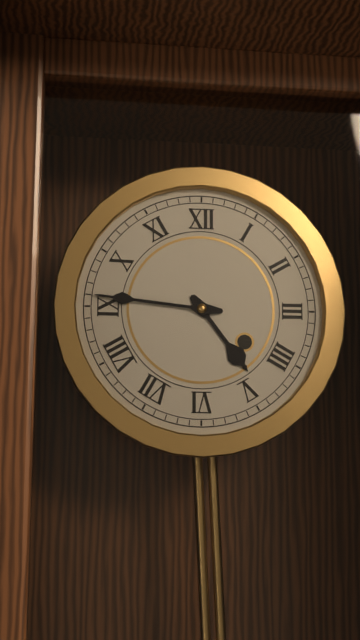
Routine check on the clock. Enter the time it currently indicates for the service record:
4:46
